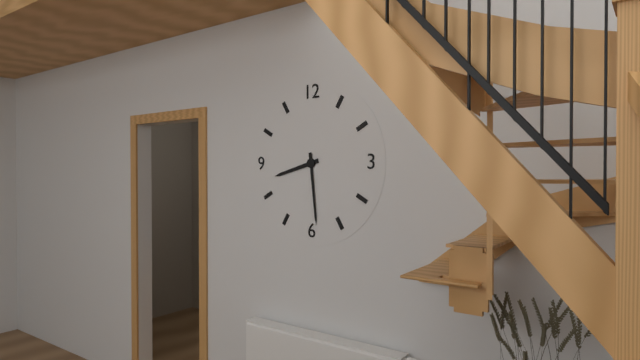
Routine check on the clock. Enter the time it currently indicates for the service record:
8:29
